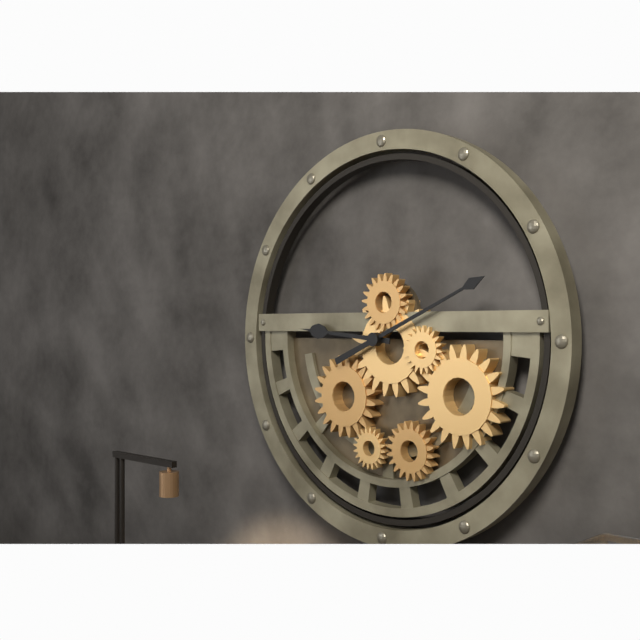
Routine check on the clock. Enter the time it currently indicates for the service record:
9:11
